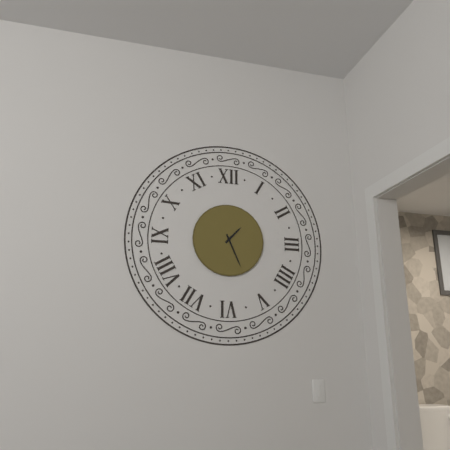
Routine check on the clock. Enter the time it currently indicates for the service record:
1:26
